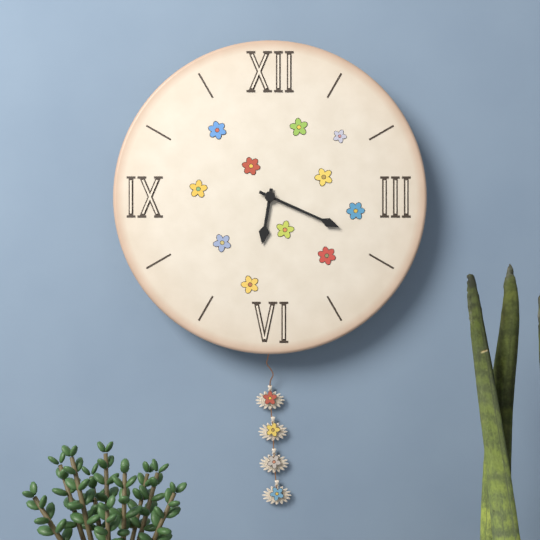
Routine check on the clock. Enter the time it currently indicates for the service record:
6:19
